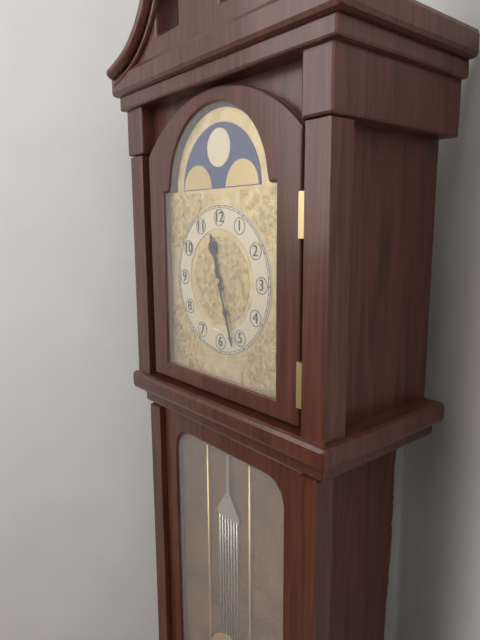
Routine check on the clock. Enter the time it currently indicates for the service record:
11:27
